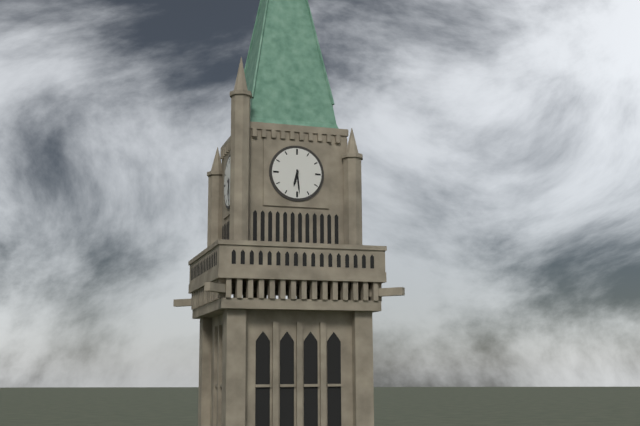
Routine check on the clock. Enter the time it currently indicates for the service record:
6:29
